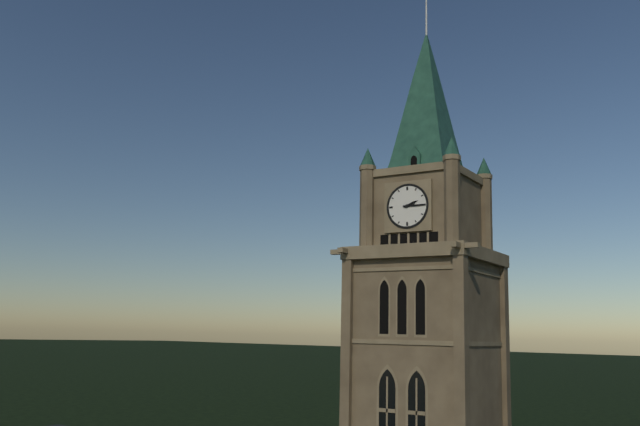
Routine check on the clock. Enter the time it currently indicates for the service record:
2:15
